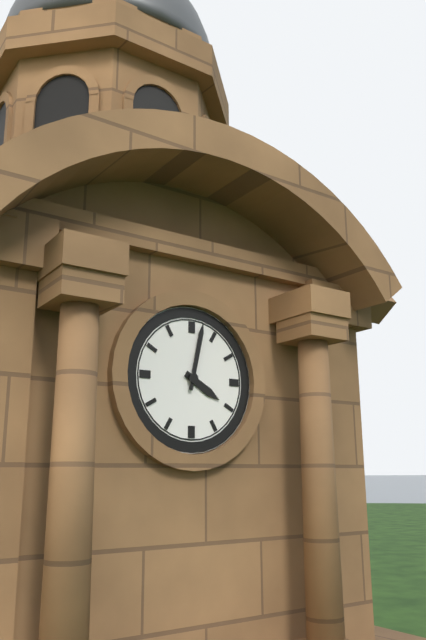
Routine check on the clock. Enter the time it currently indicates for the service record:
4:02
